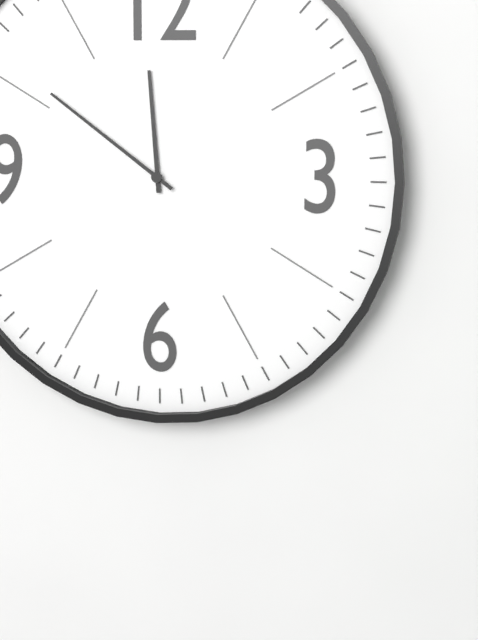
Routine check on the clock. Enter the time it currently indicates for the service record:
11:51
